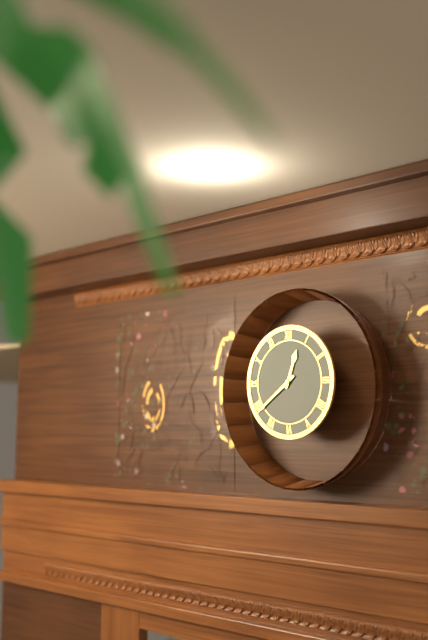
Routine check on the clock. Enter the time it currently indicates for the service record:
12:39
